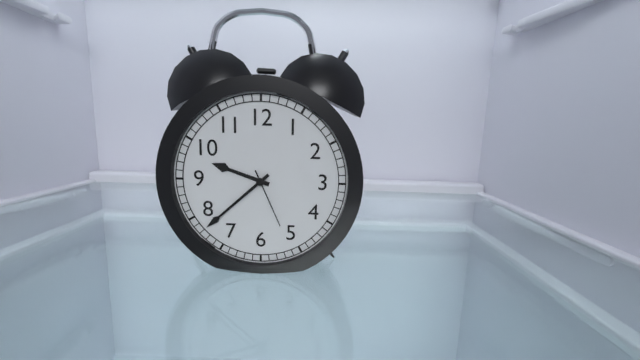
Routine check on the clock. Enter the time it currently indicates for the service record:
9:38:26
